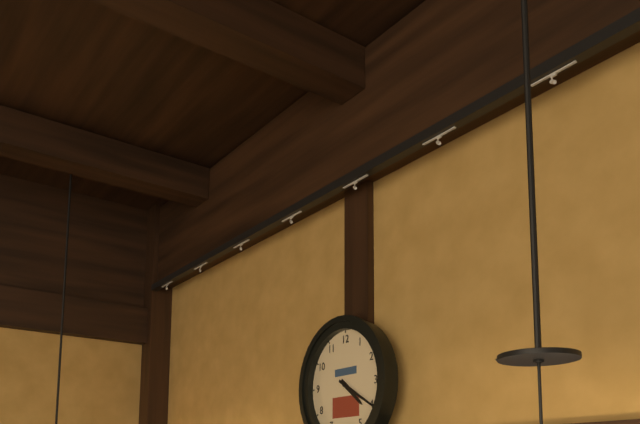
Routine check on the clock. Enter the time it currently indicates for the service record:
4:20
